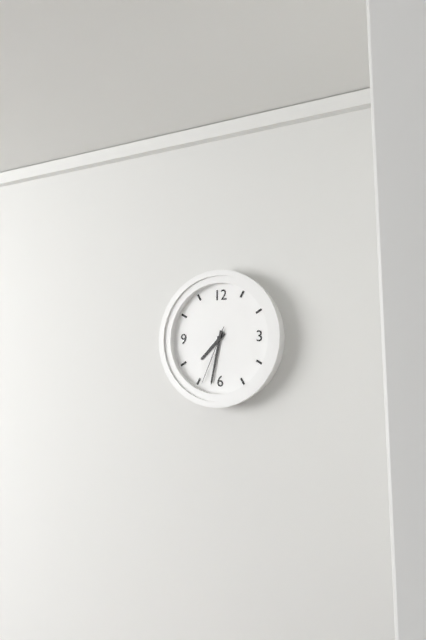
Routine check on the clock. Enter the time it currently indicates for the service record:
7:32:34
